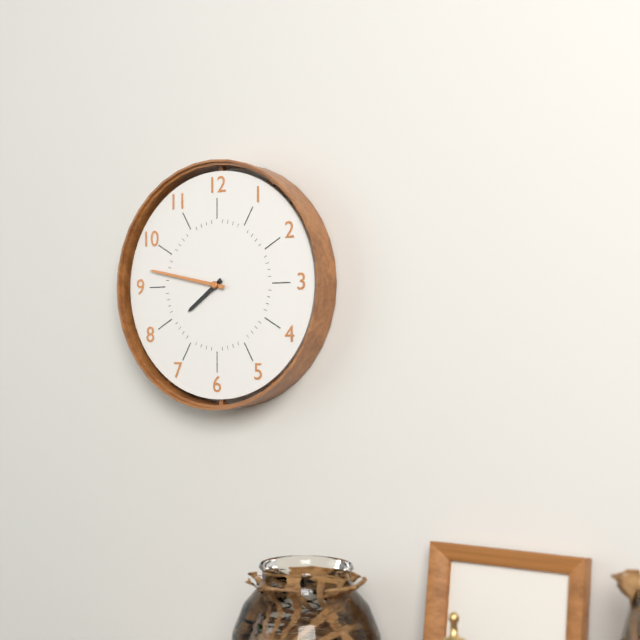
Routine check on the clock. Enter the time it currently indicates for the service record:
7:47
